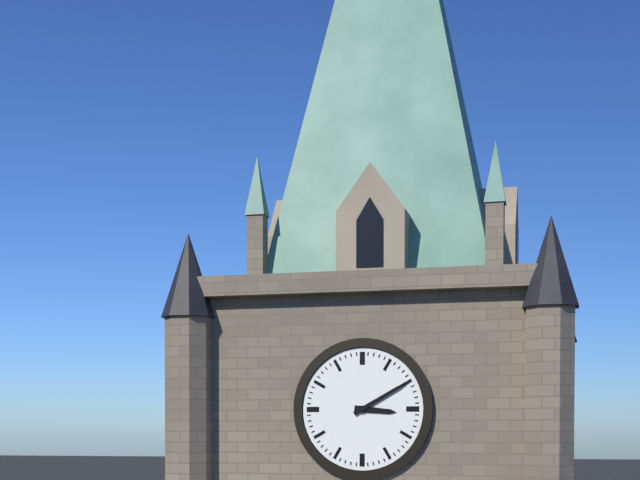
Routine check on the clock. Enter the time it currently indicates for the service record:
3:10
